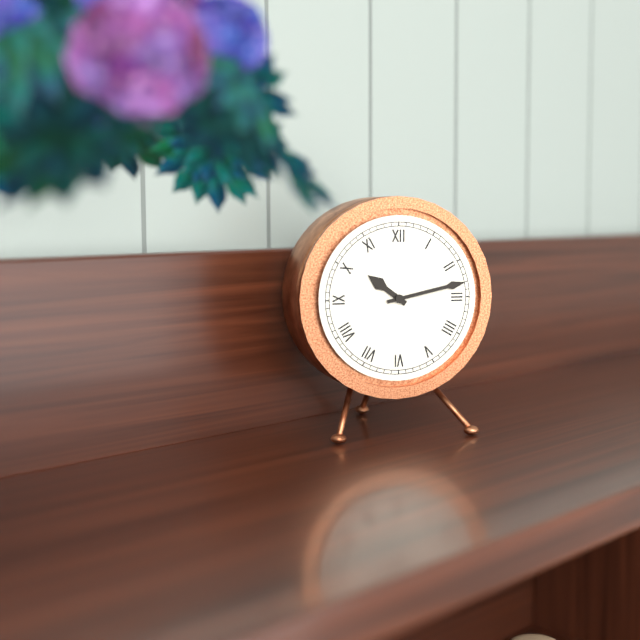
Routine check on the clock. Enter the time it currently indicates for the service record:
10:13
